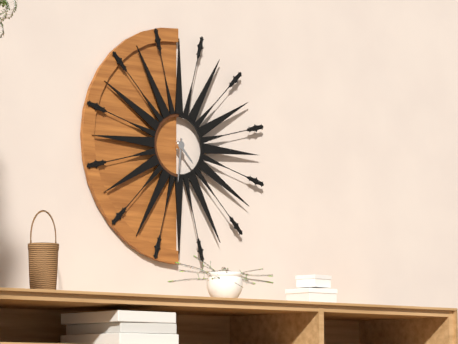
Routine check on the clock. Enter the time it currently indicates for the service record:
4:31
